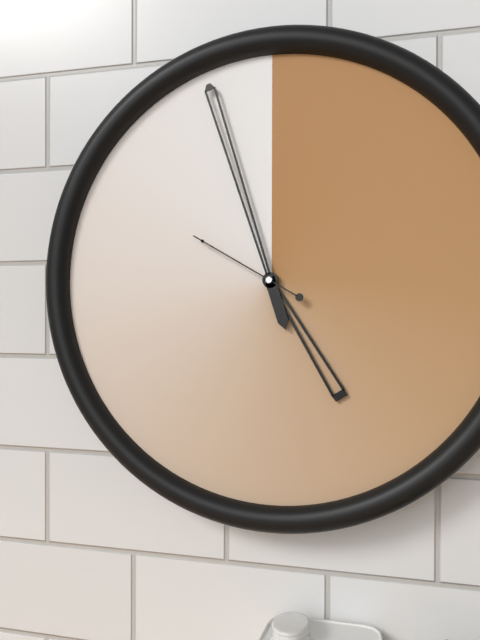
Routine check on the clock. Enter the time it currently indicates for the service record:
4:57:50
